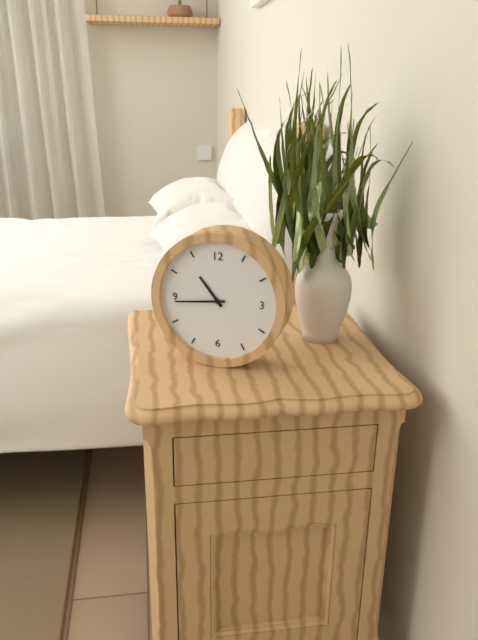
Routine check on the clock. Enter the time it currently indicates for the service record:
10:44
